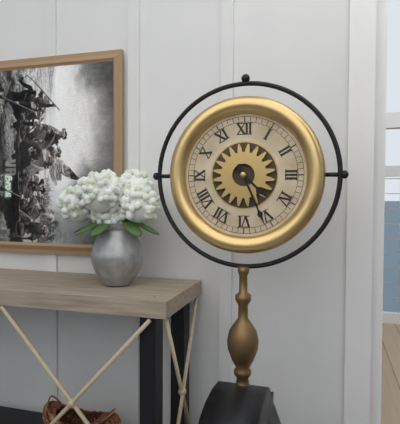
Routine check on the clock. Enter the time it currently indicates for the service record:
4:26
